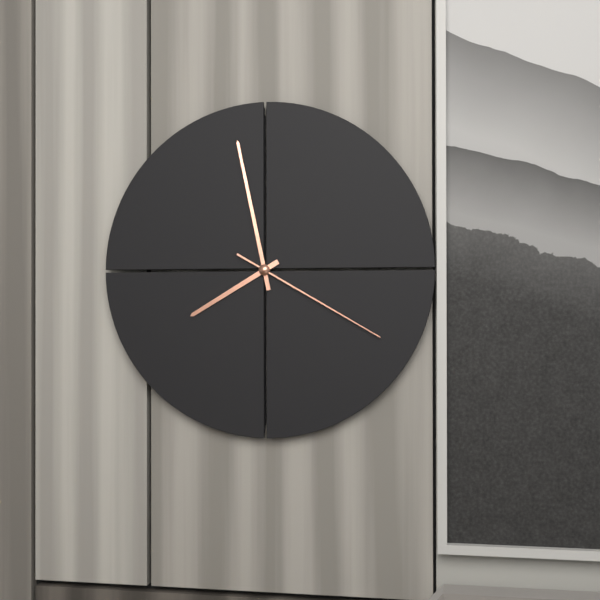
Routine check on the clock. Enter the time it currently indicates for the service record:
7:58:20
